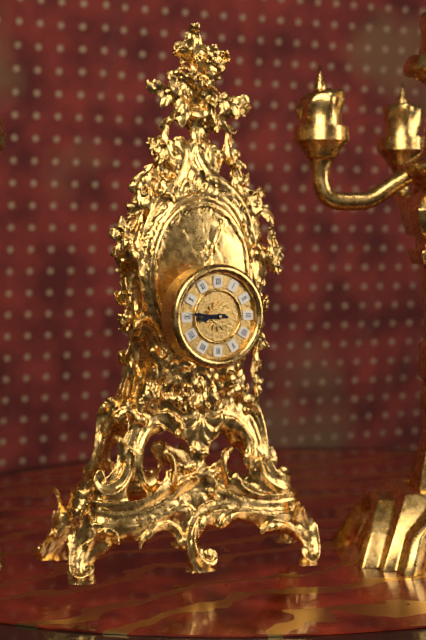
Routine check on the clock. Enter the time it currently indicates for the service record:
8:46
